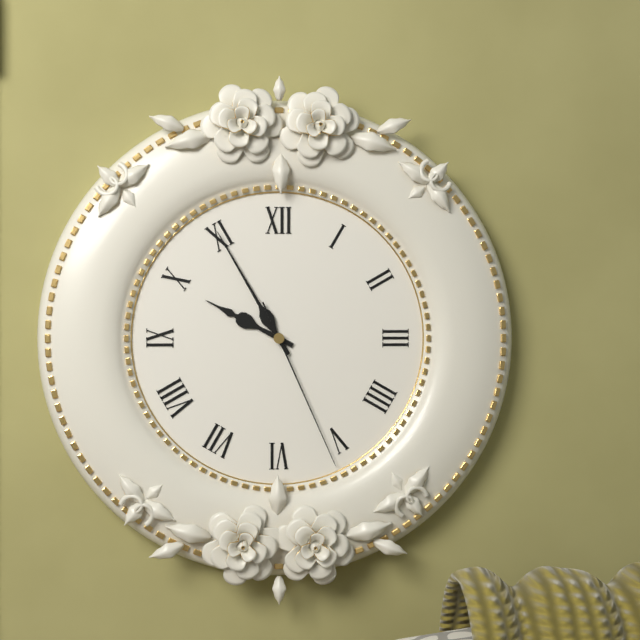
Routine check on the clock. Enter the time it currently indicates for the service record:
9:55:26
